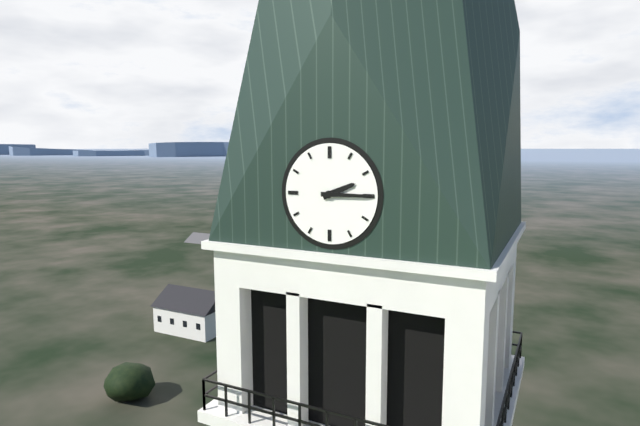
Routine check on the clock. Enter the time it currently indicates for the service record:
2:15
